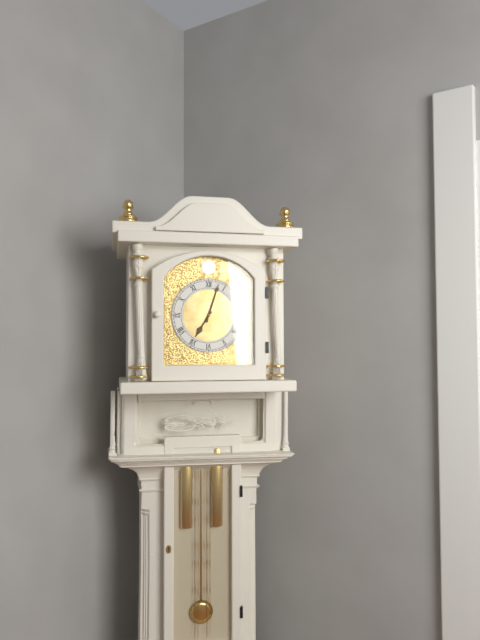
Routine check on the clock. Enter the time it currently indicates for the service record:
7:03
